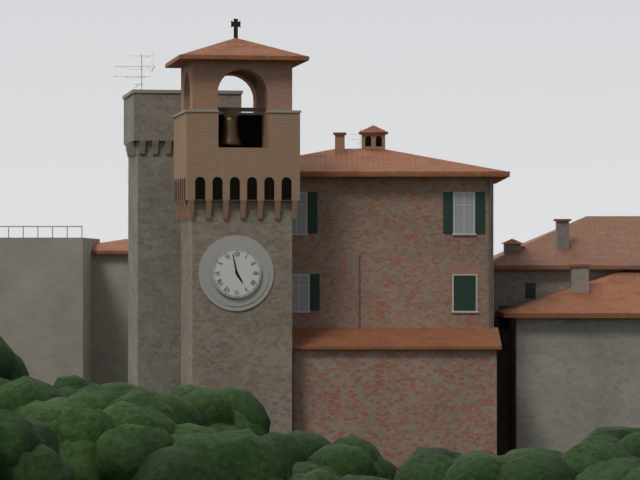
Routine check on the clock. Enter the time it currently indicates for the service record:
4:58
